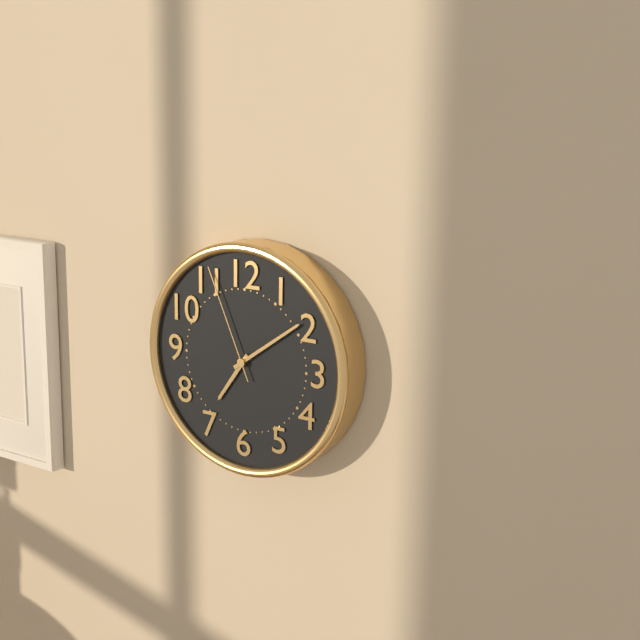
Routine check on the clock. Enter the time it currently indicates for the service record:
7:09:56
